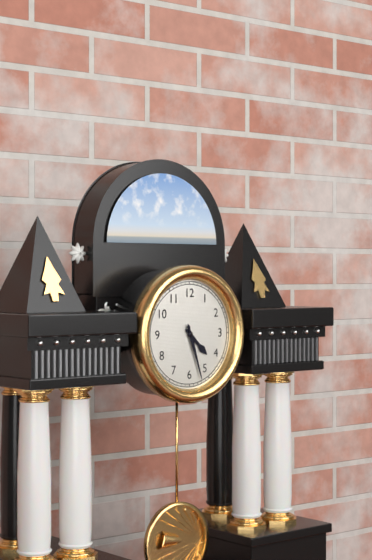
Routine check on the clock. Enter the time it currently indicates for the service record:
4:27
